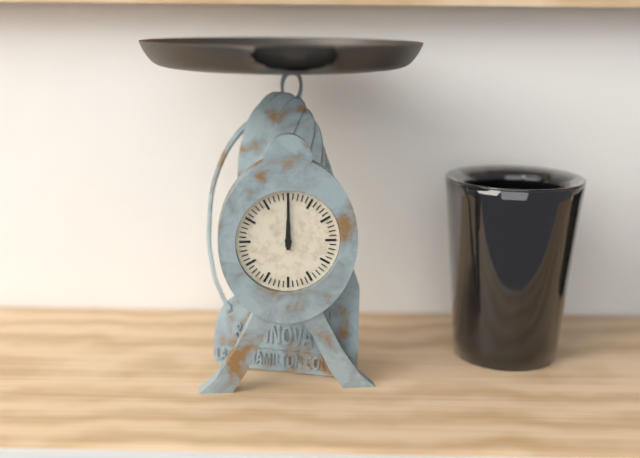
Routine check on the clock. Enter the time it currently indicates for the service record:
12:00
